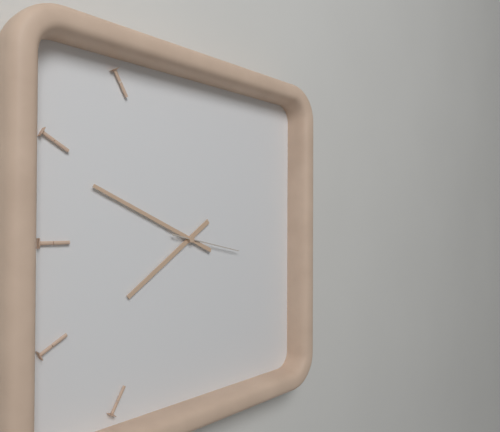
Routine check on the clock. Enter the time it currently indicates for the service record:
7:49:17
